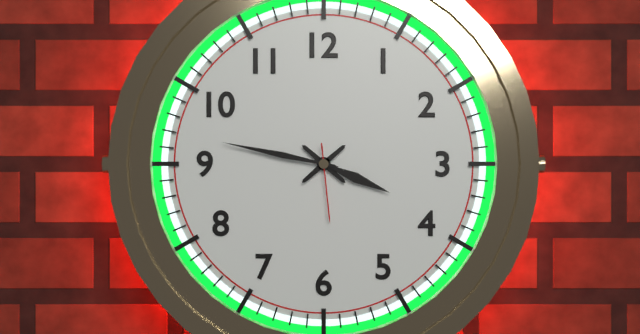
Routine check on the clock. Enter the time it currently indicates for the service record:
3:47:29
